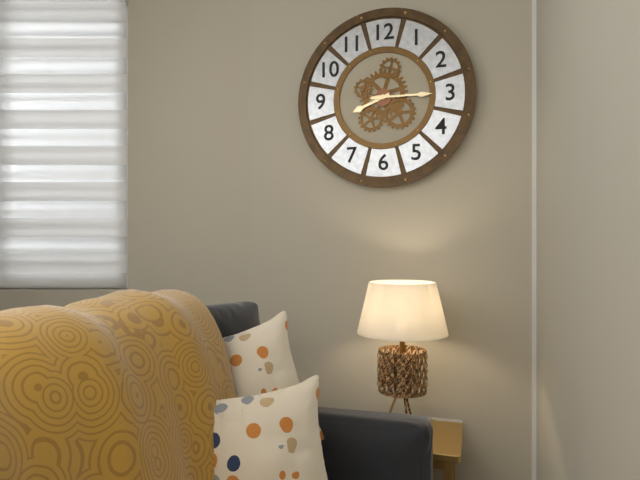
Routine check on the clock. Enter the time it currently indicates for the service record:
8:15
